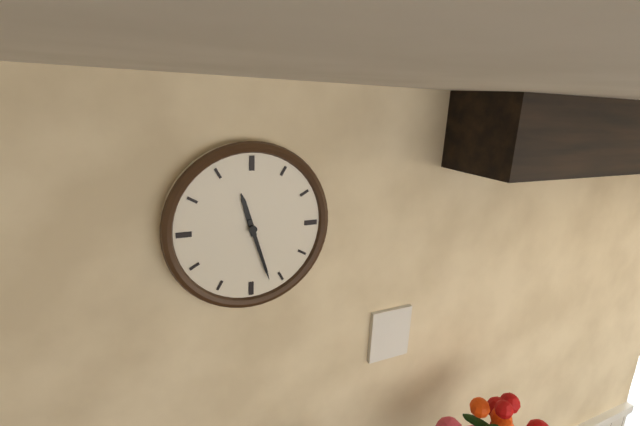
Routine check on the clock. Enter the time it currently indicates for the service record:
11:27
